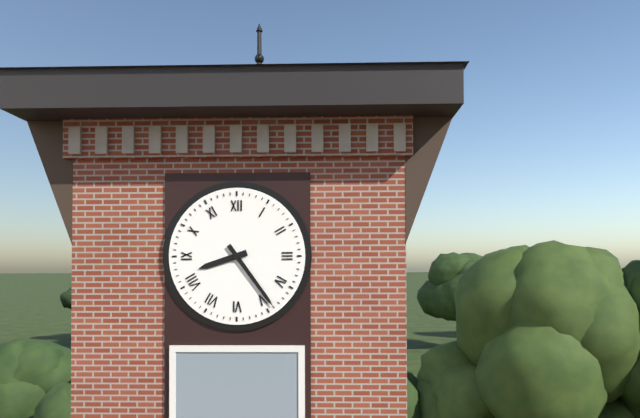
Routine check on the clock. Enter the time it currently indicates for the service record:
8:24
